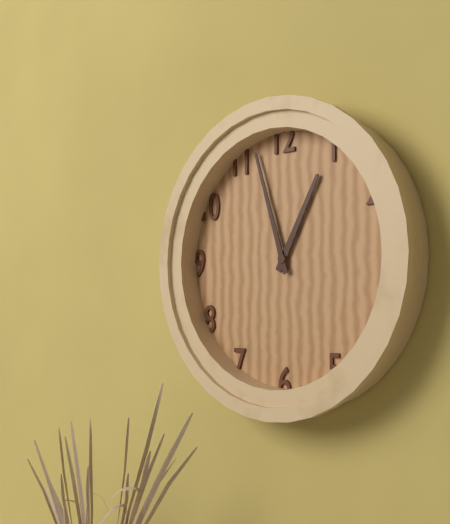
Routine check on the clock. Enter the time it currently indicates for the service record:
12:57
